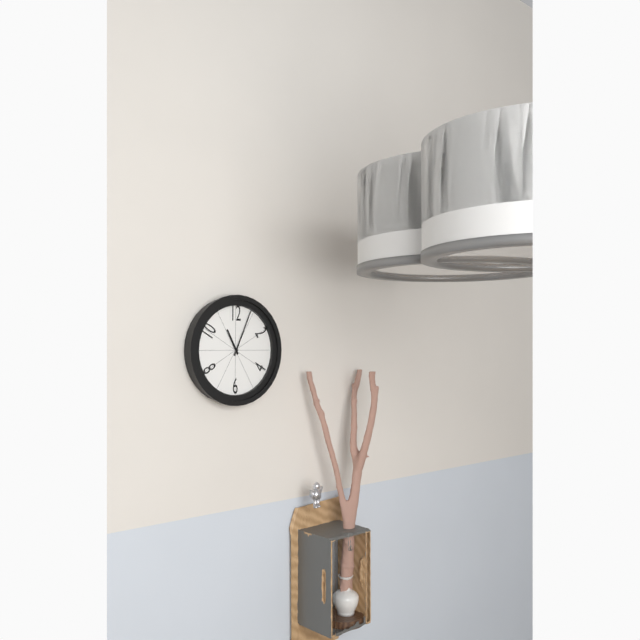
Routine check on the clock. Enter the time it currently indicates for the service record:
11:04
